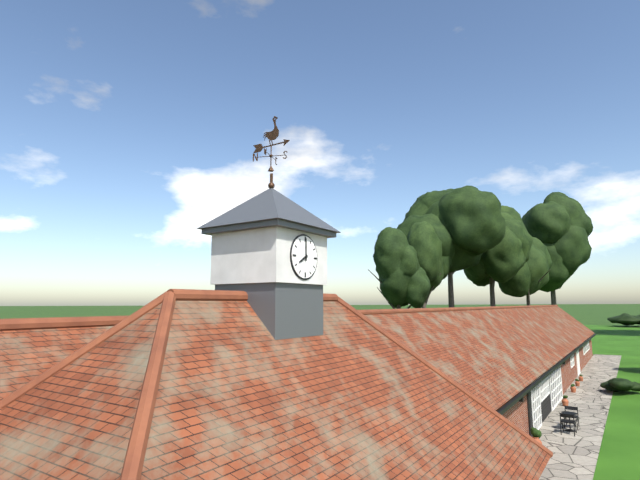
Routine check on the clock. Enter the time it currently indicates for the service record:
8:00
